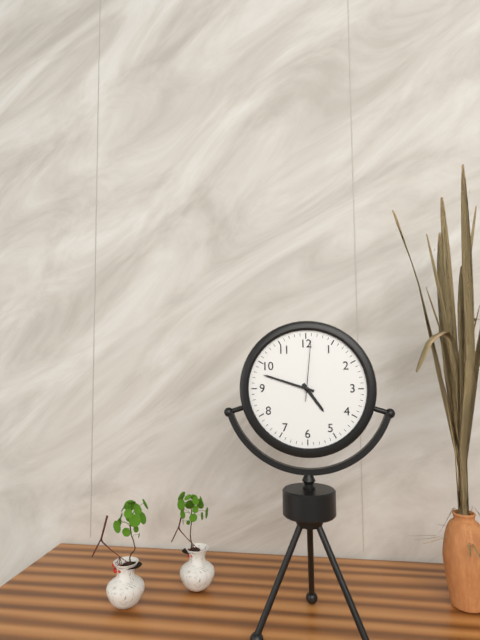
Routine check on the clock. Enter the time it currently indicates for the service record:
4:48:01
